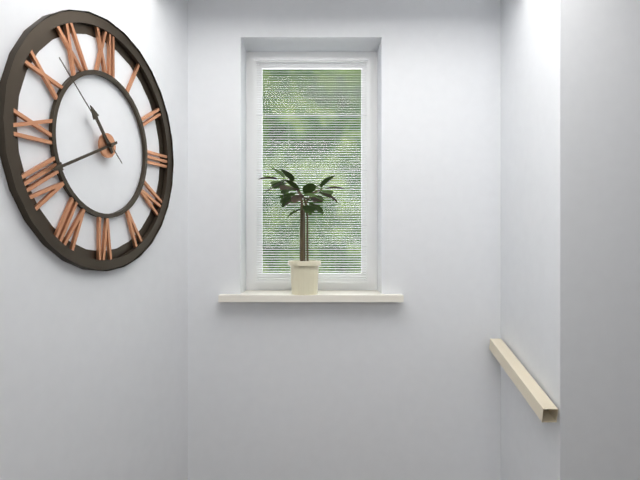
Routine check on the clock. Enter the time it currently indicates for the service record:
10:41:52
